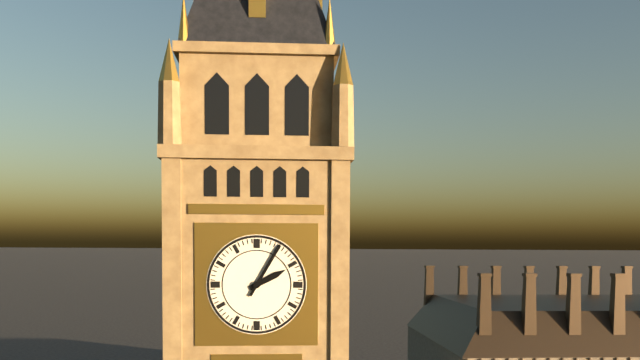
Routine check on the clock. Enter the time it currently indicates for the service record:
2:05
